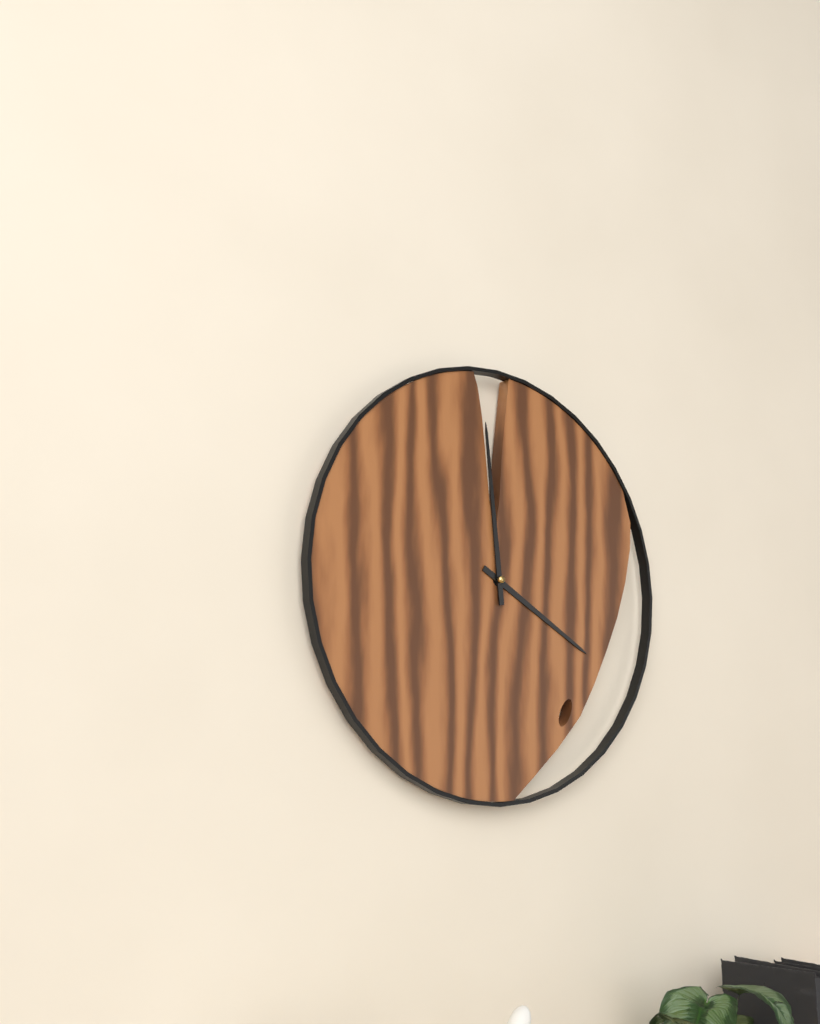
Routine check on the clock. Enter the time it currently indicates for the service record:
3:59
